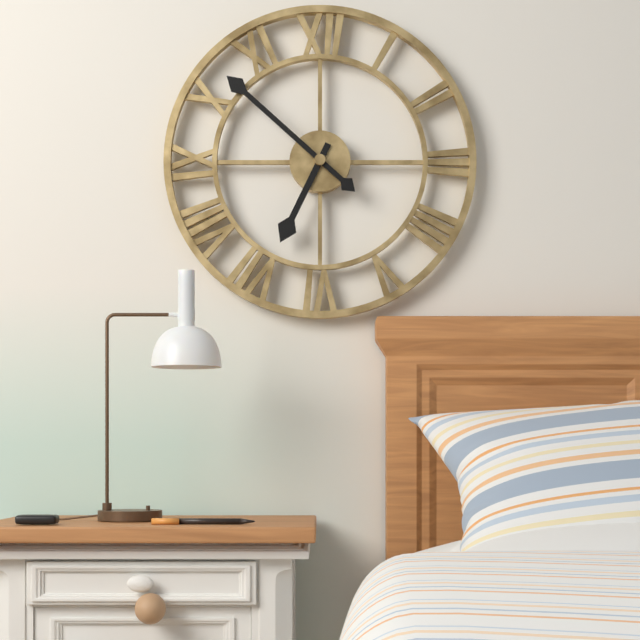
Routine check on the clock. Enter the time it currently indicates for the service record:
6:52
